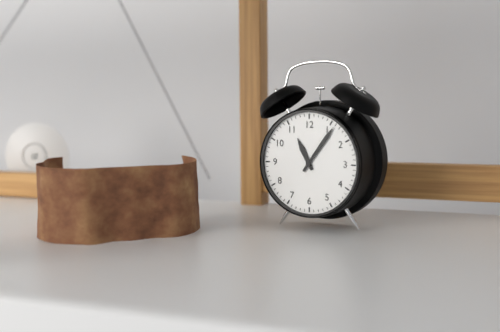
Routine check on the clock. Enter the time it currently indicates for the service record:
11:06
